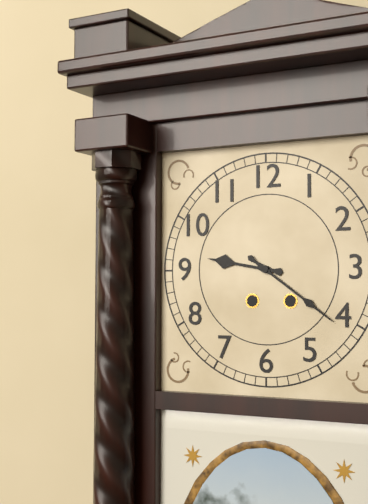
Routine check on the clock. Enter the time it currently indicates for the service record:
9:21
